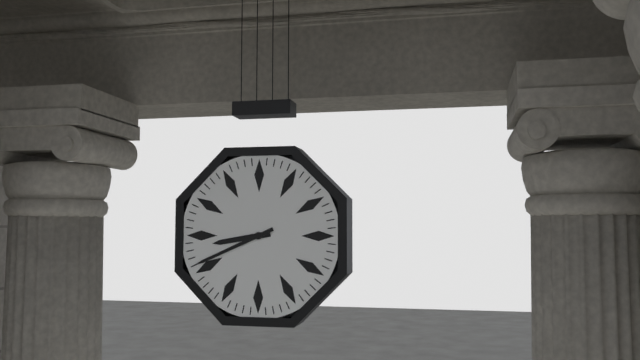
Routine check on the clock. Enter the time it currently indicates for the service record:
8:41
